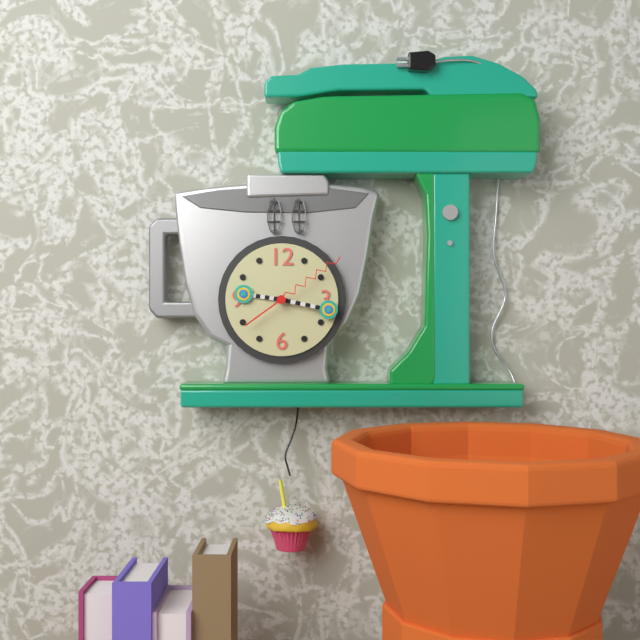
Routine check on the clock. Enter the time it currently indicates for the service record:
9:17:09
